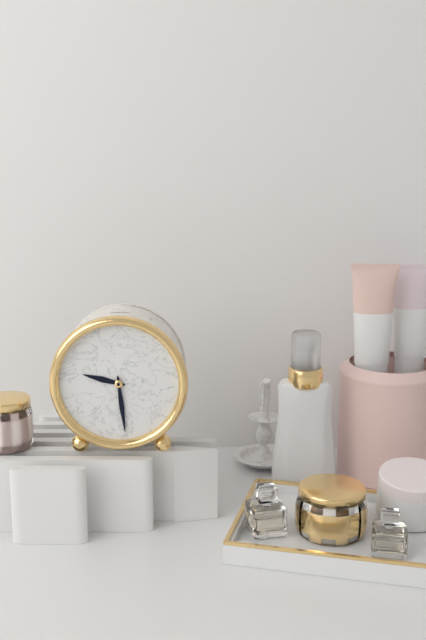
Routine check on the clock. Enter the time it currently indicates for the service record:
9:29
